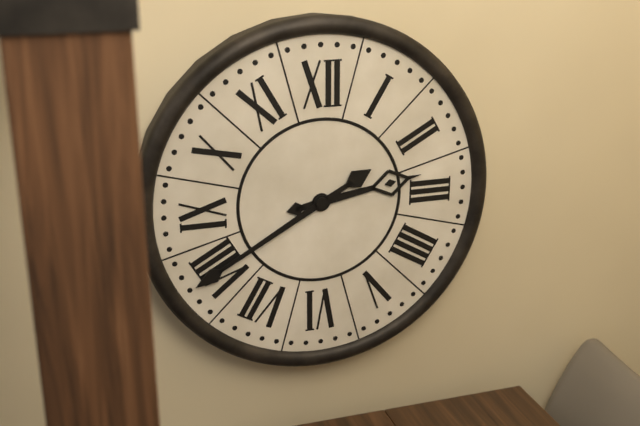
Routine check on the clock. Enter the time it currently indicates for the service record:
2:40
